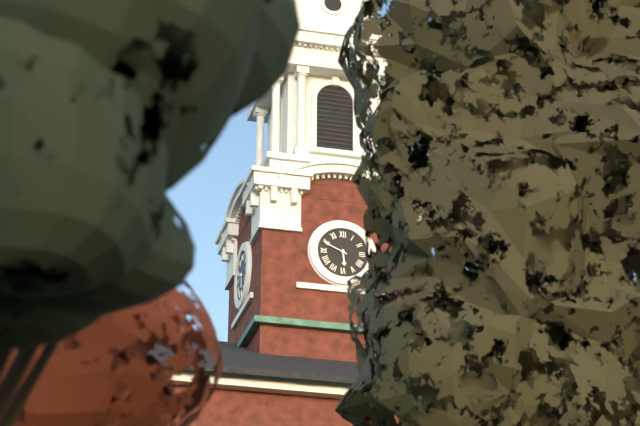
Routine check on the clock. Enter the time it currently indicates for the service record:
5:49
